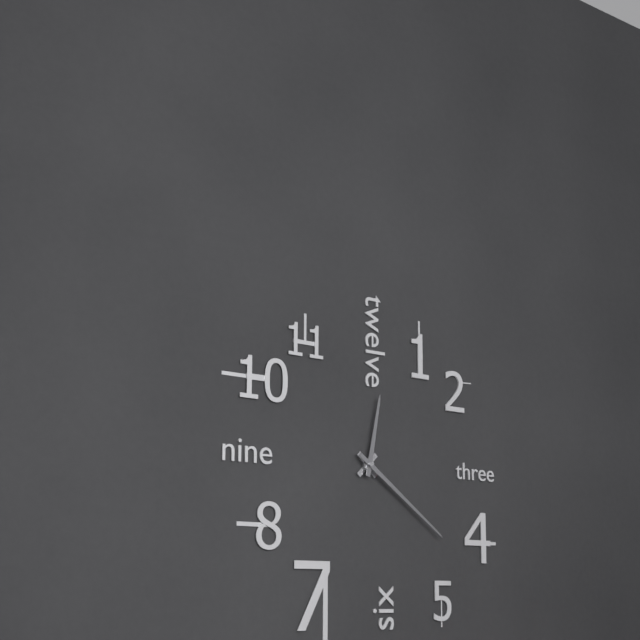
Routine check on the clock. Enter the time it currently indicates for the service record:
12:21
